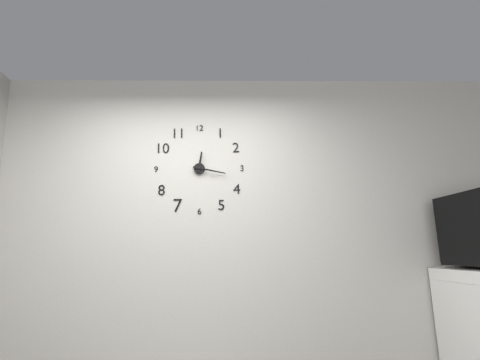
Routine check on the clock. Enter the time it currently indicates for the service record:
12:17
